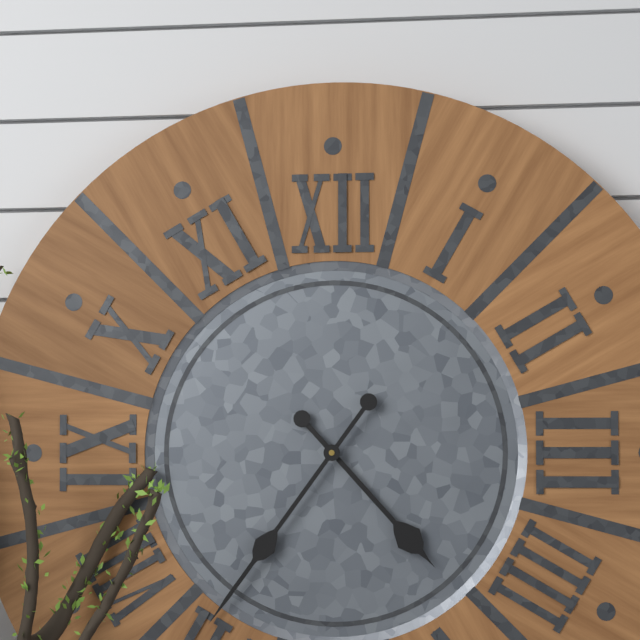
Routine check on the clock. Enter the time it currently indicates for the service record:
4:36
